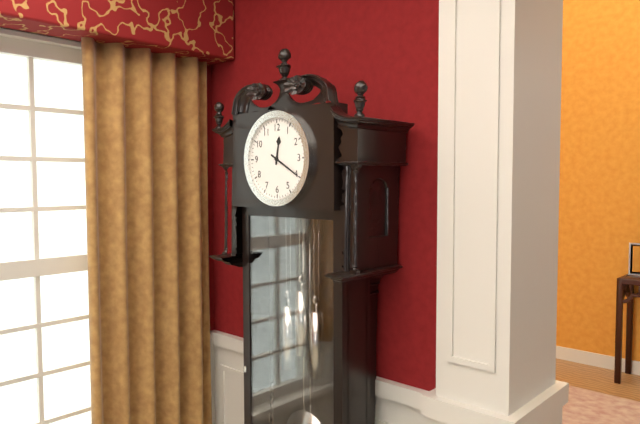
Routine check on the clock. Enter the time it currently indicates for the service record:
12:20
